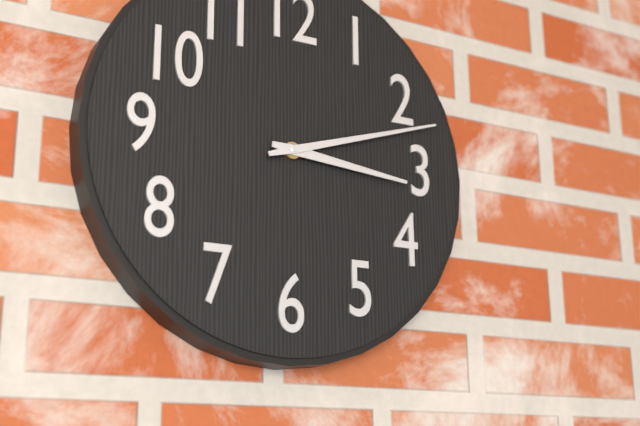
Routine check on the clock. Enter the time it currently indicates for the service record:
3:12
